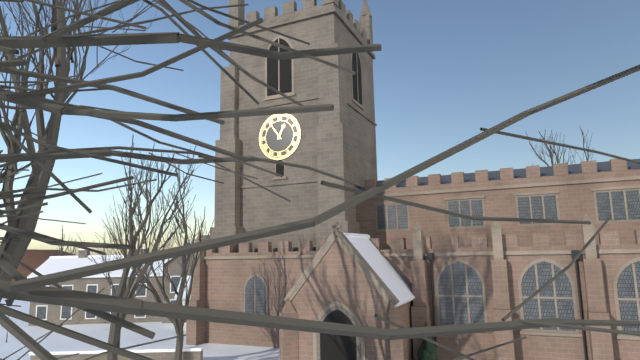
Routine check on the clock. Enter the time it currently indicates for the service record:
12:54
